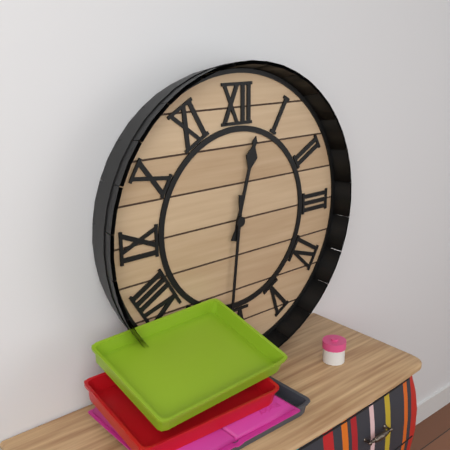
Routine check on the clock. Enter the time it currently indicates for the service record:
12:31
